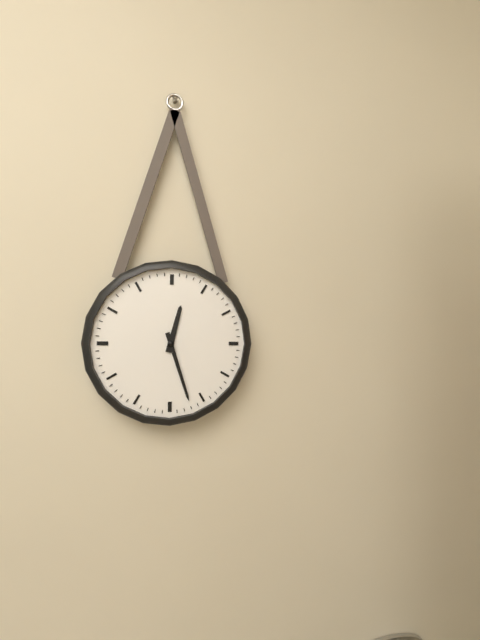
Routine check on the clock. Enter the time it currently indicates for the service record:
12:27
